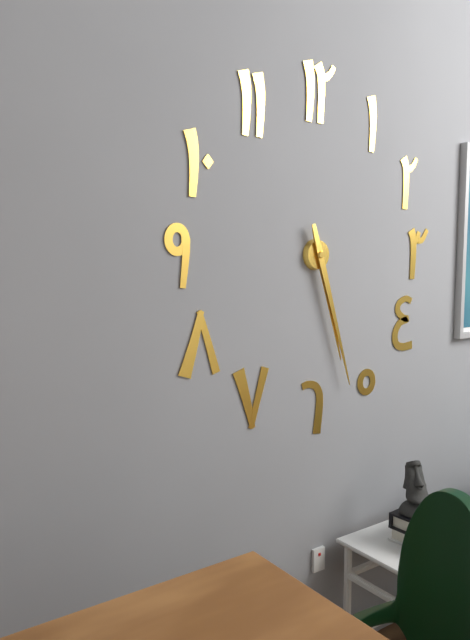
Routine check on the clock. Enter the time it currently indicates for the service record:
5:27
